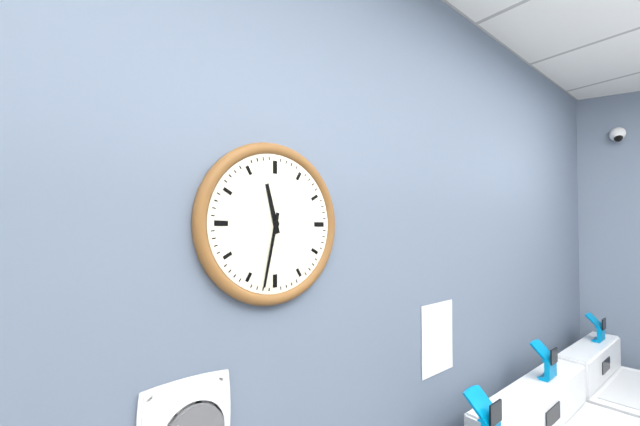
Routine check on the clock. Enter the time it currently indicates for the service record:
11:32
